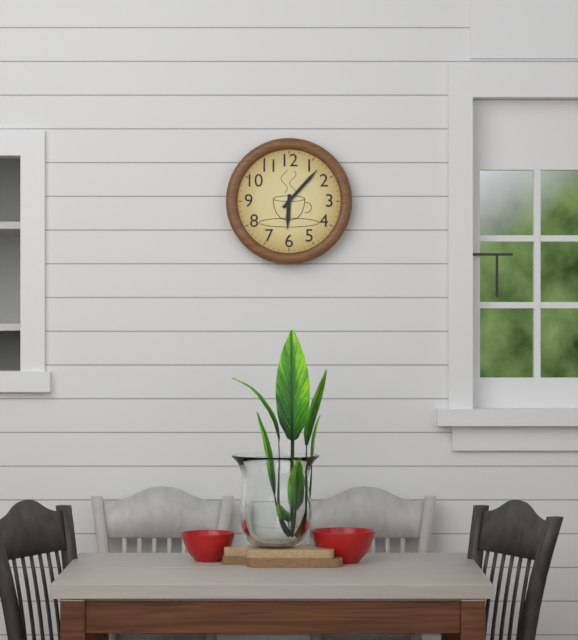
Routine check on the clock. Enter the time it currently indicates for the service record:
6:07
